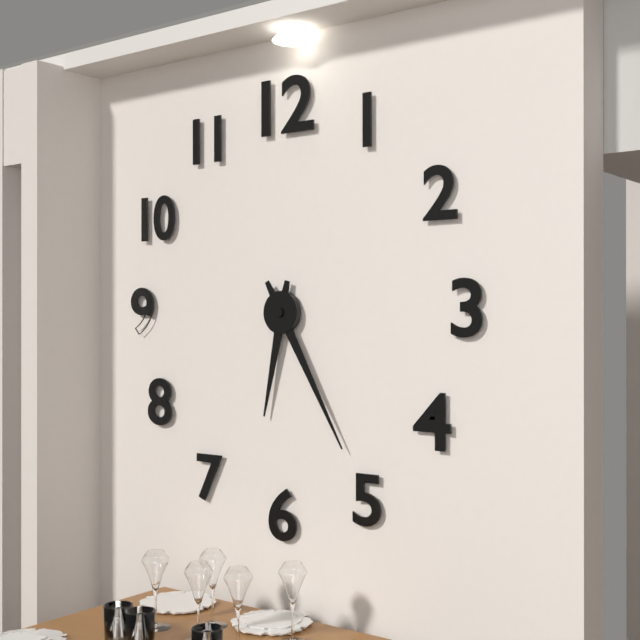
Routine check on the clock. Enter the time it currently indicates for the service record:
6:25
